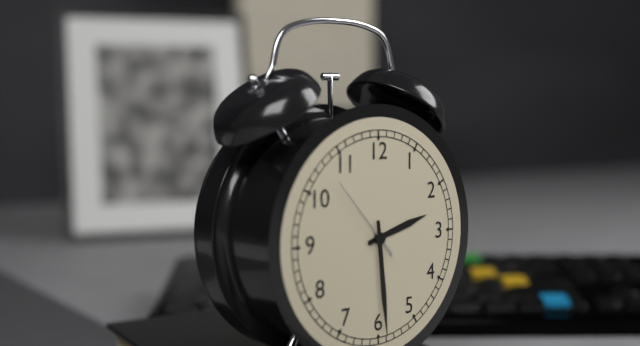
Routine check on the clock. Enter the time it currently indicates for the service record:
2:29:53
